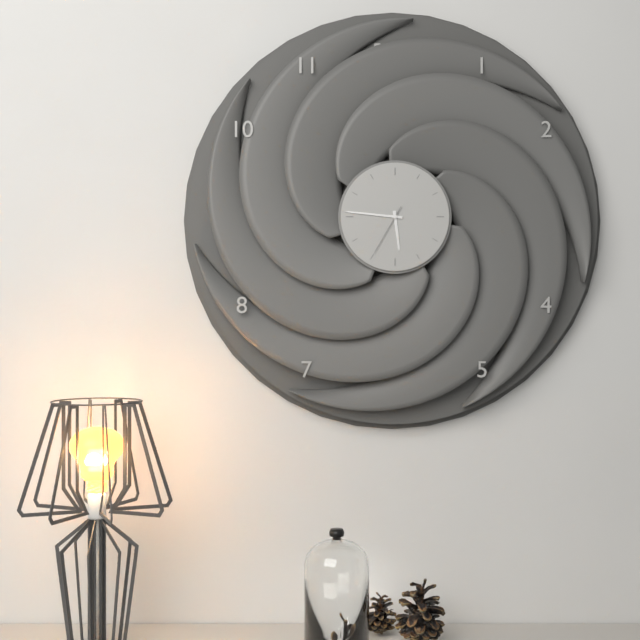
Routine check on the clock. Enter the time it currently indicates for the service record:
5:46:35
